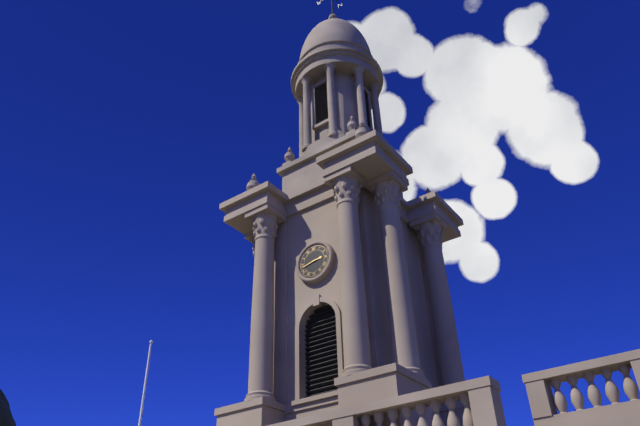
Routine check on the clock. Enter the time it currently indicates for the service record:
2:43
